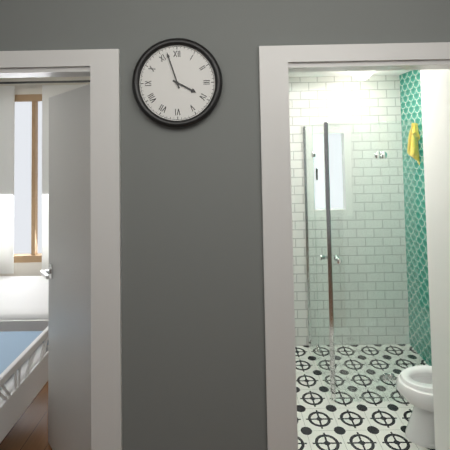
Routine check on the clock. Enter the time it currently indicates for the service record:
3:57
